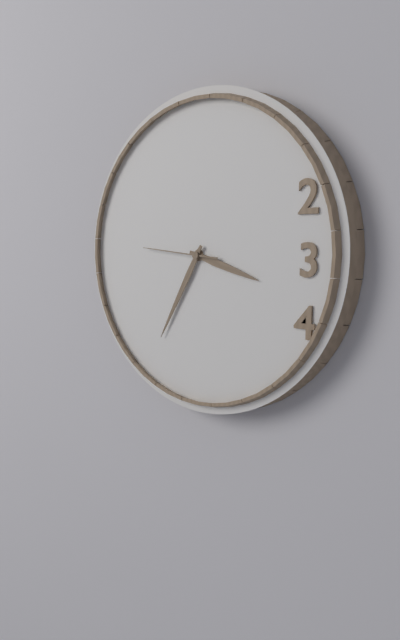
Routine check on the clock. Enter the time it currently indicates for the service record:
3:35:46
